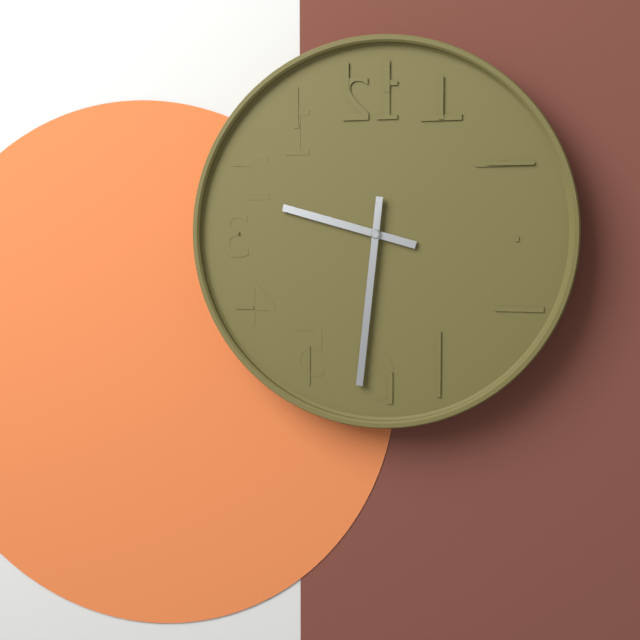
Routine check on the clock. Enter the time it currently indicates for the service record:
9:31
